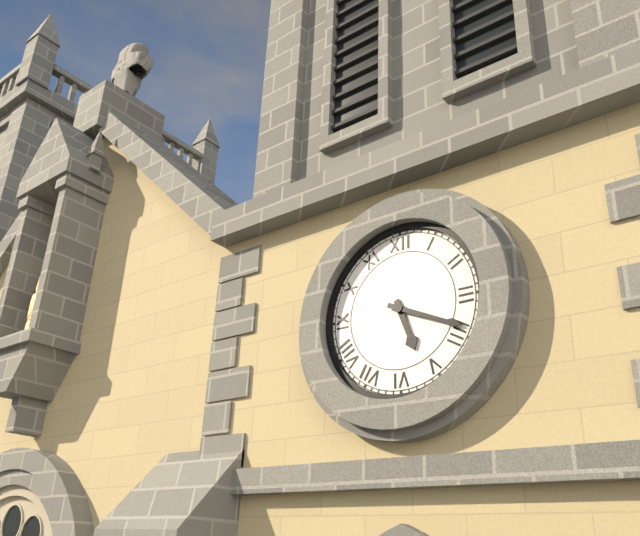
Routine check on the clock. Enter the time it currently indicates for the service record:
5:19
